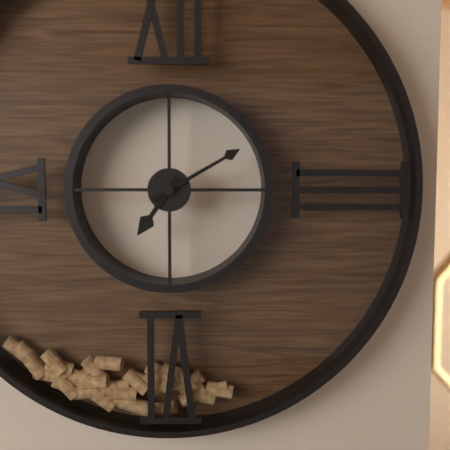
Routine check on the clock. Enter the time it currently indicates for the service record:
7:10
